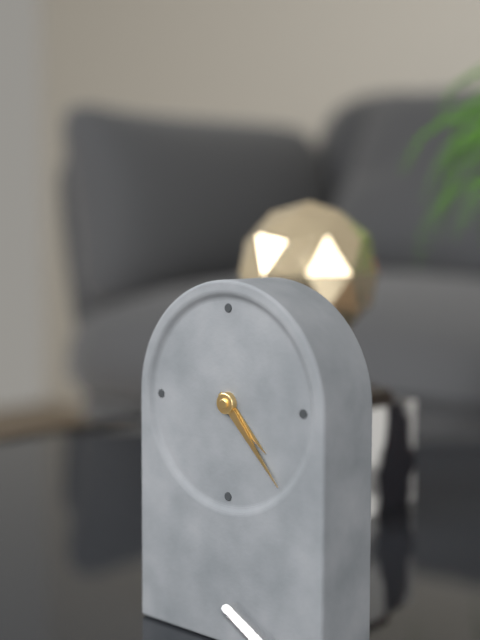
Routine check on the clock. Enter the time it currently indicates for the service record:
4:23
